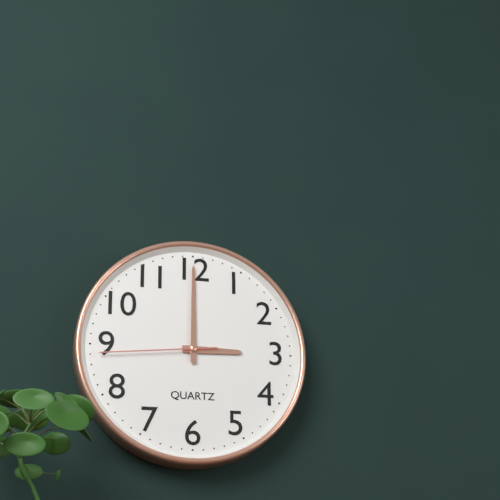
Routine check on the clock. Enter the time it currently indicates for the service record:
3:00:44
